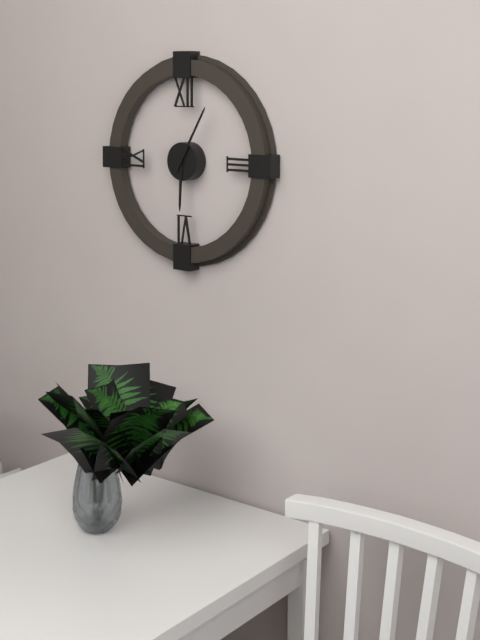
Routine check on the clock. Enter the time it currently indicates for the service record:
6:05
